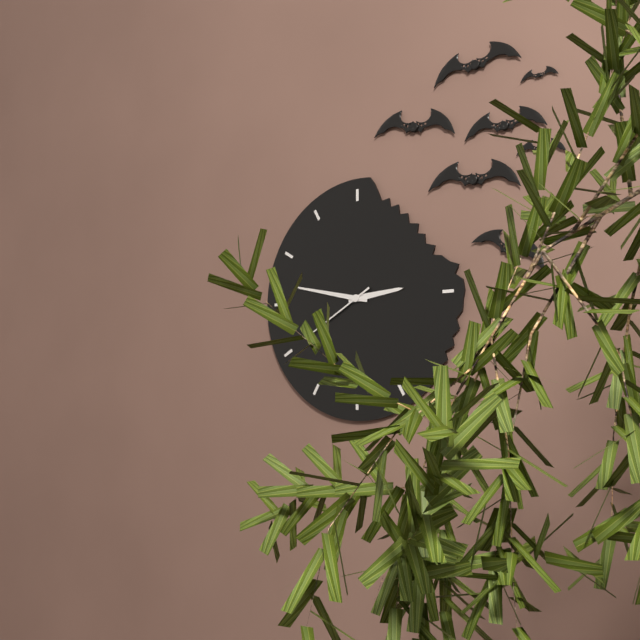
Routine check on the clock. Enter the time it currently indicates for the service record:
2:47
